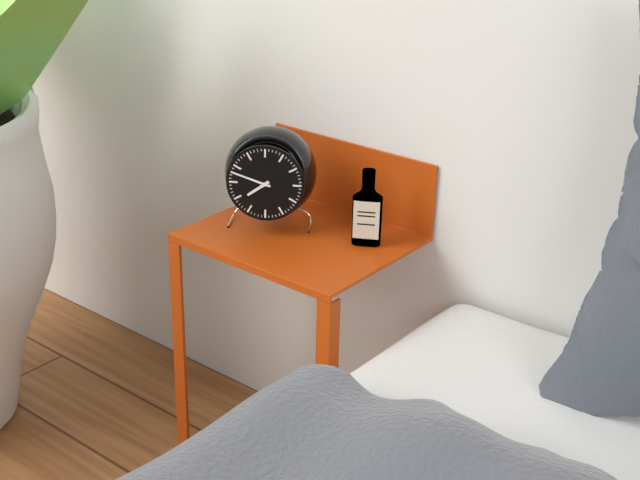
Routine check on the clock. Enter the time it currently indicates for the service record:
7:48
